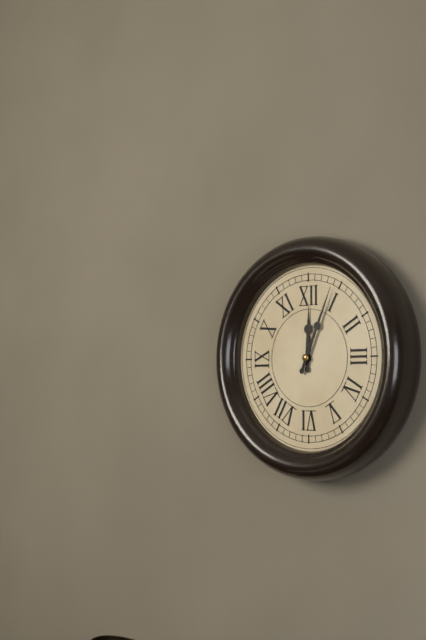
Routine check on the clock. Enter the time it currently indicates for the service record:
12:04
